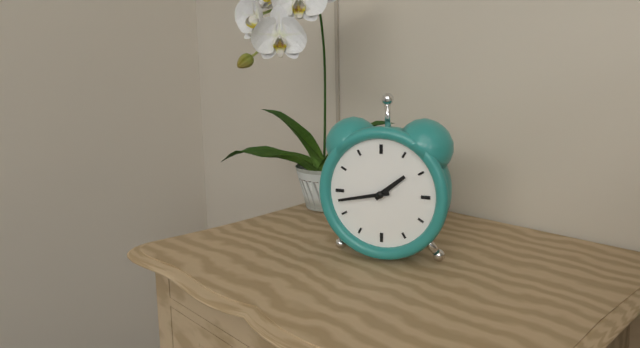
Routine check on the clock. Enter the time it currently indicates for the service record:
1:43
